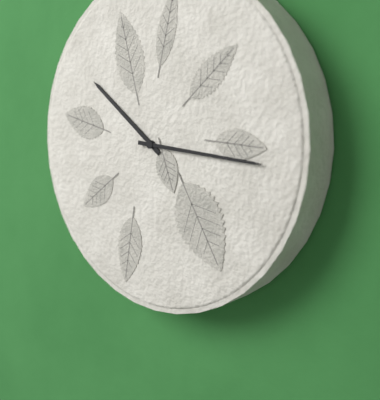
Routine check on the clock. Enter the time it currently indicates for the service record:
10:16
